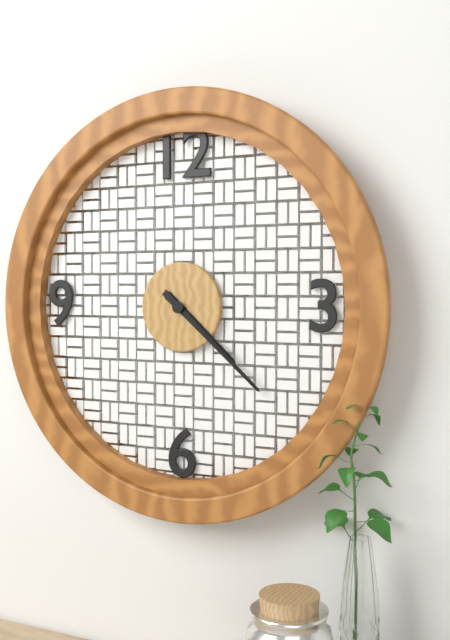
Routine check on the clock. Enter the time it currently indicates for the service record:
4:22
